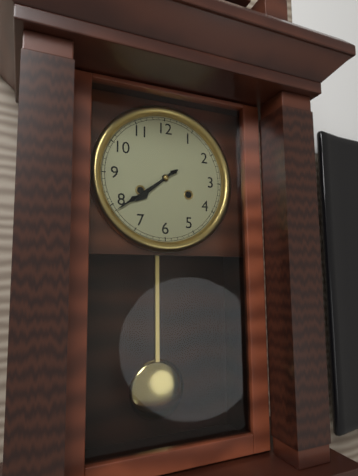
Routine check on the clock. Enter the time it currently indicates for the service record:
7:39
